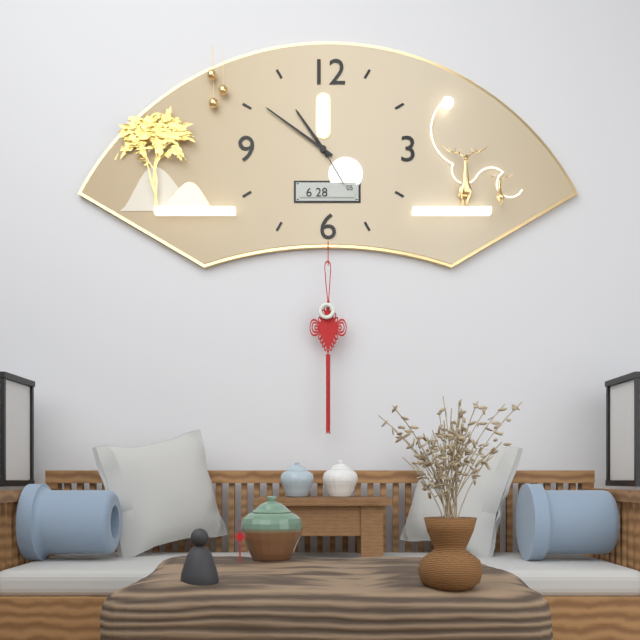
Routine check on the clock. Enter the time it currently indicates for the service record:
10:51:25
